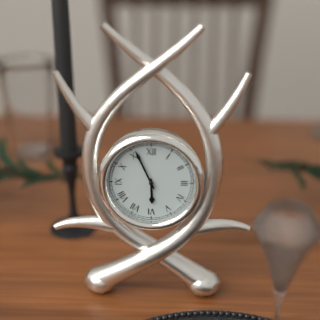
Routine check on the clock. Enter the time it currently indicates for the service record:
5:56
